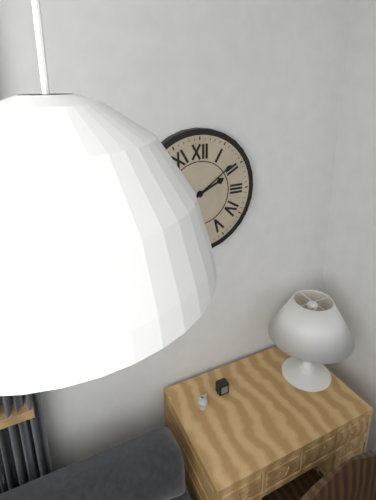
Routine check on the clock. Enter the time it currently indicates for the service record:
2:09
